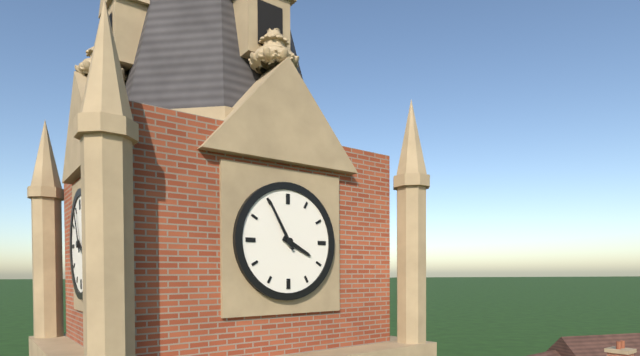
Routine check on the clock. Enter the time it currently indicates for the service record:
3:55
